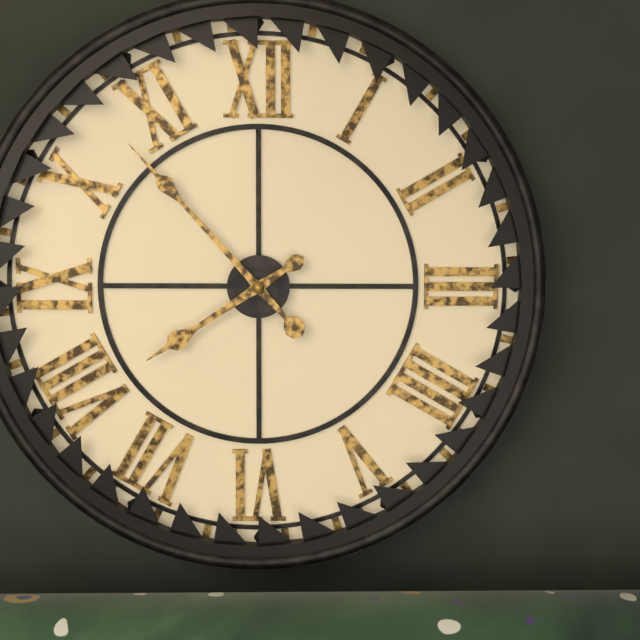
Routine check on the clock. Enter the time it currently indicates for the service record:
7:53
